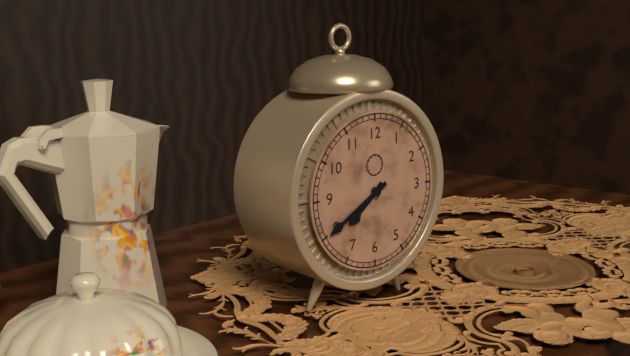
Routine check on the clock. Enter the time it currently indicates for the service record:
7:40
